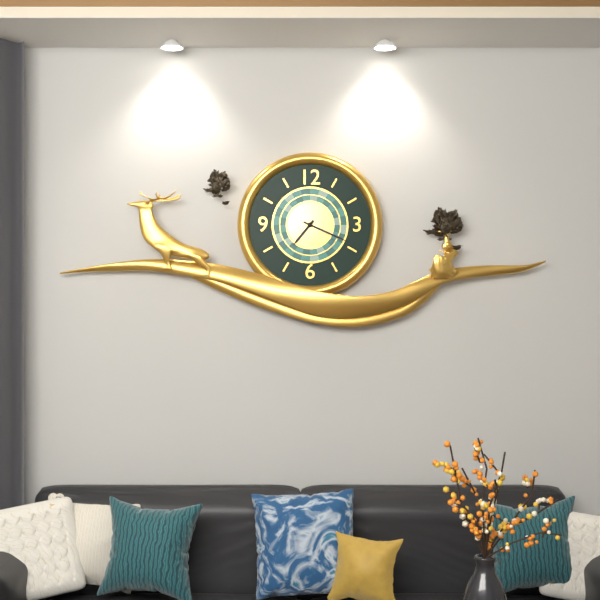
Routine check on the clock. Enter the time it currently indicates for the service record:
7:19
